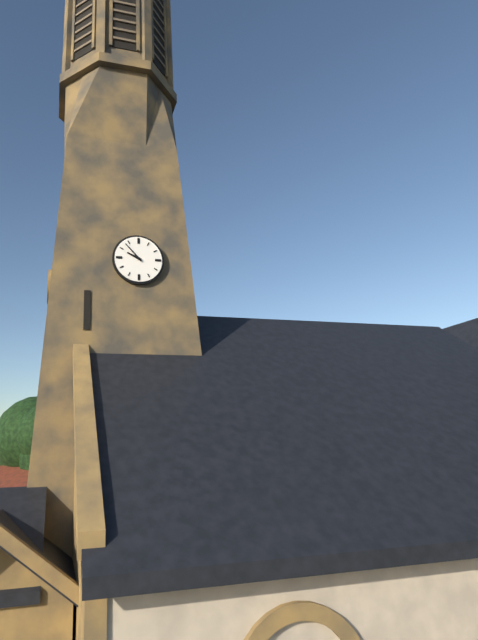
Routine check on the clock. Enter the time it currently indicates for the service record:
9:53
